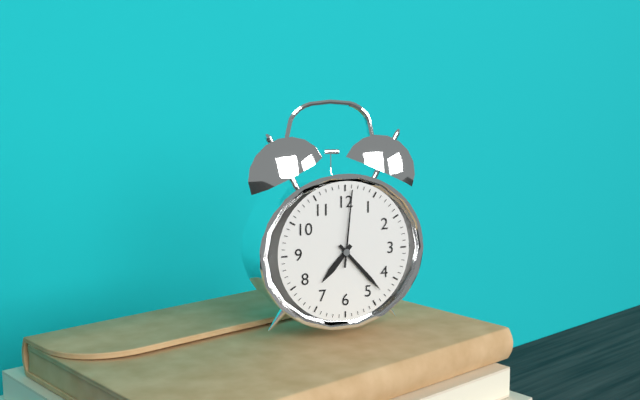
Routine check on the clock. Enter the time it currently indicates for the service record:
7:23:01
